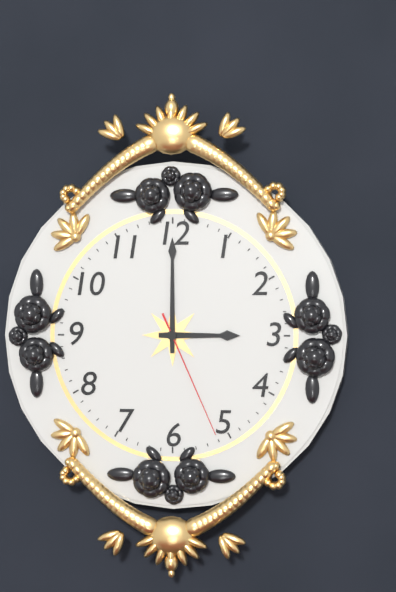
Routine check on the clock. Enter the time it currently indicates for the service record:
3:00:26
